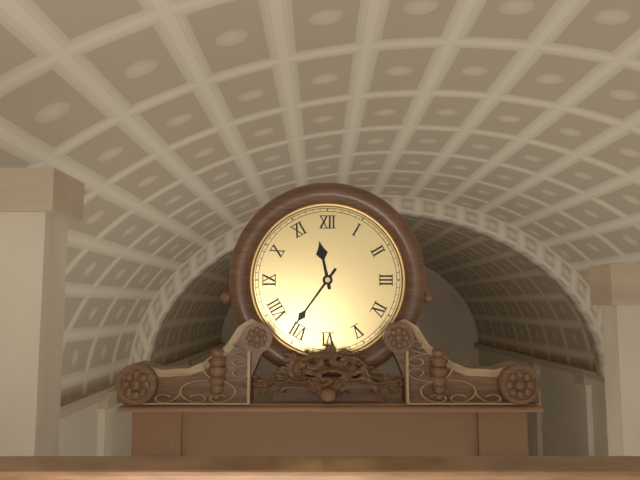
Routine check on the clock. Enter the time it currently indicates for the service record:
11:36
